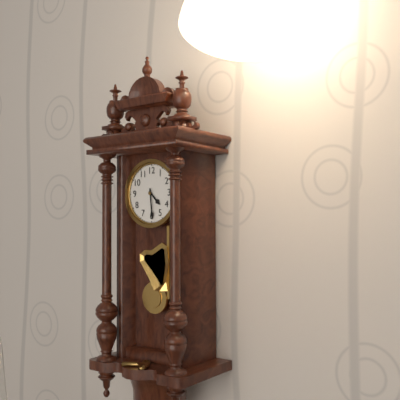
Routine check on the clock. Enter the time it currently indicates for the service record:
4:29
